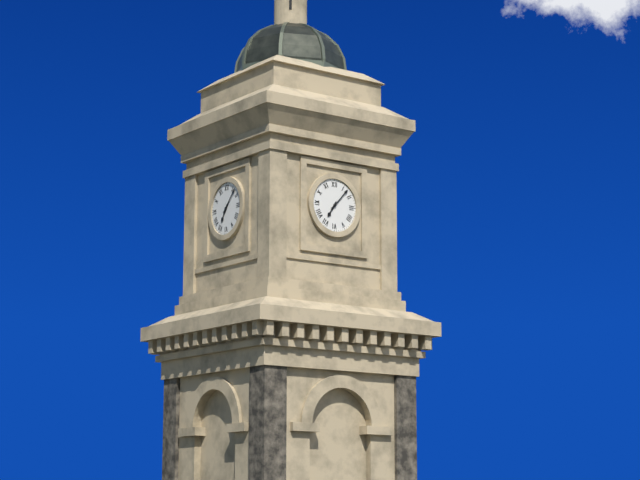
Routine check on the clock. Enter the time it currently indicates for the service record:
7:07
